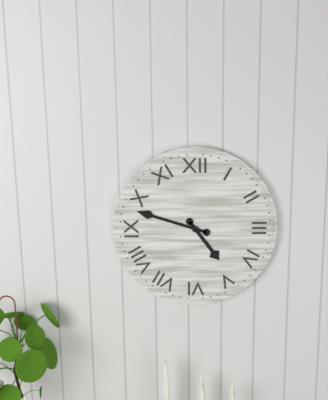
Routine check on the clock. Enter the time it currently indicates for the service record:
4:48
